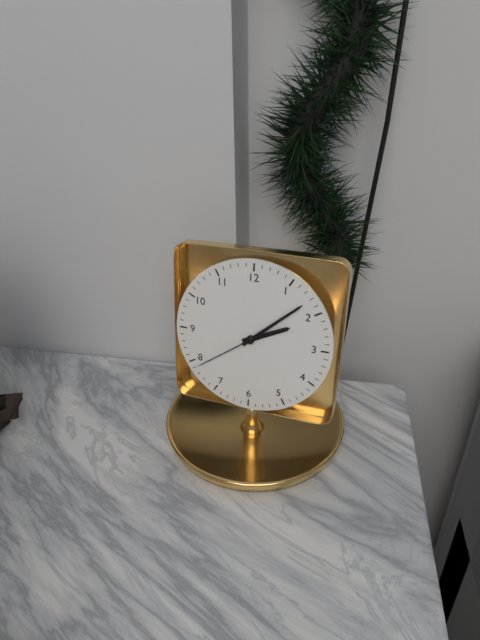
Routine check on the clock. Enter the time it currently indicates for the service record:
2:08:39
